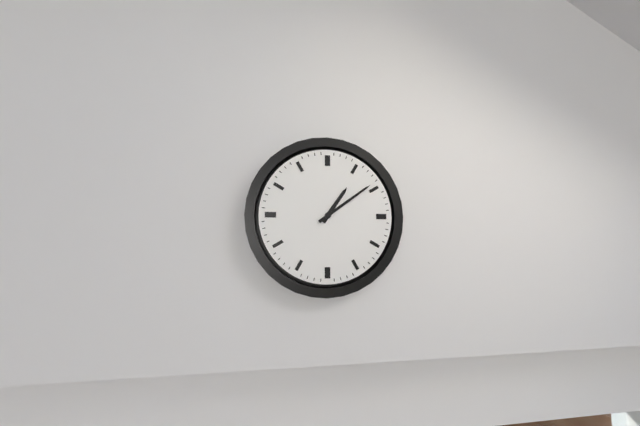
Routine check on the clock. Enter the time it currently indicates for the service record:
1:09
